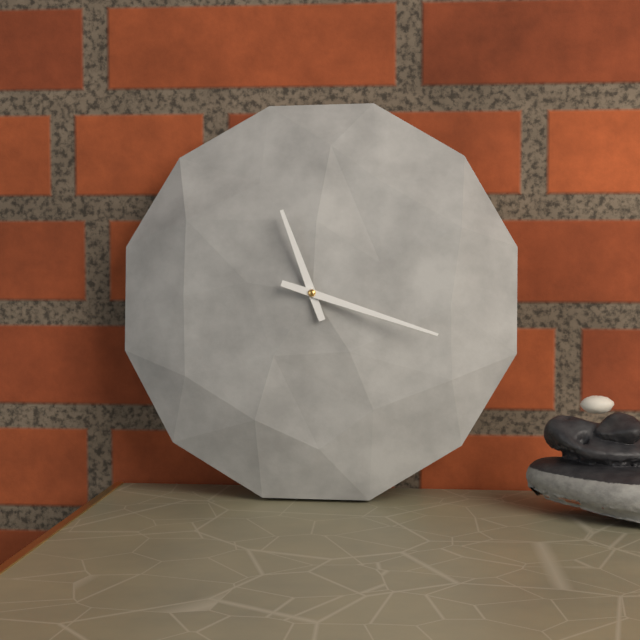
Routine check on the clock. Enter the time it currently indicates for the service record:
11:18
